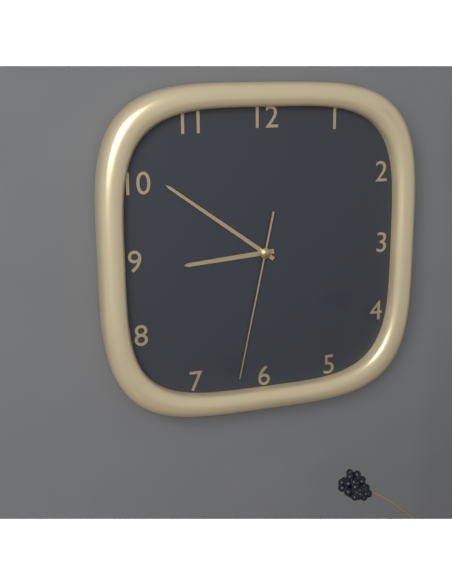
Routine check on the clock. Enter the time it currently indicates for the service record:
8:51:32
